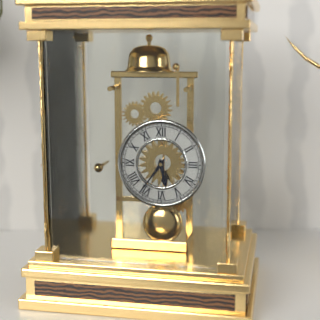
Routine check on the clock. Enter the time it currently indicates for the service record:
5:36
